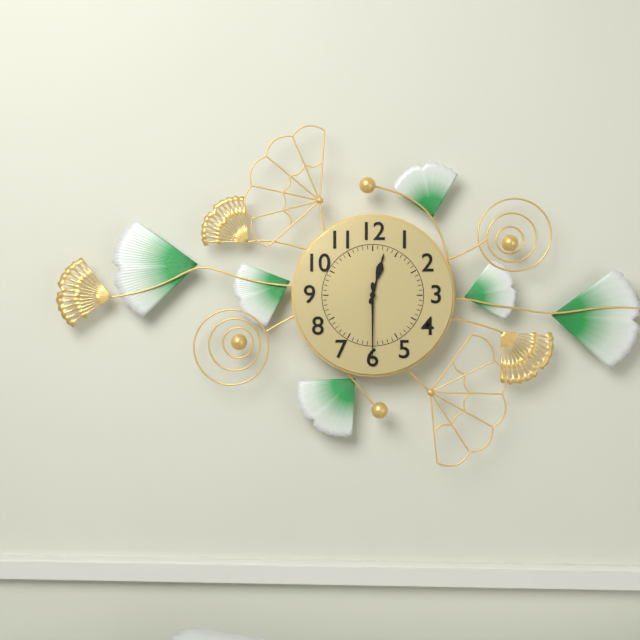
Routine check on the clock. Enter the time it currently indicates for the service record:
12:30
